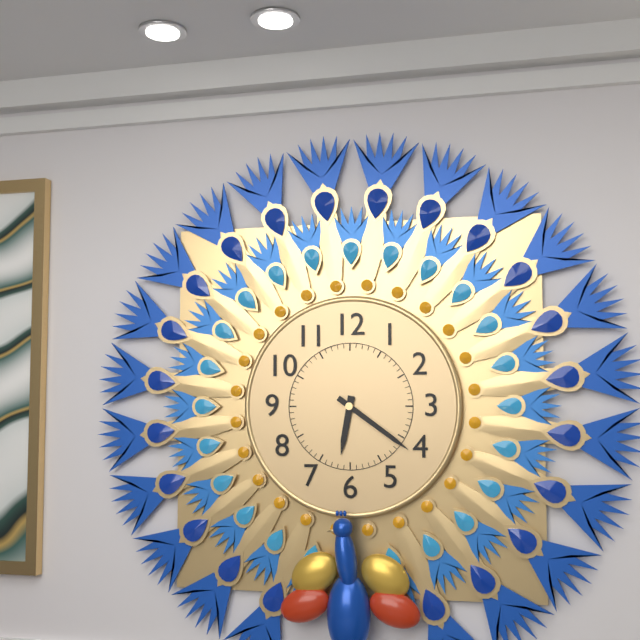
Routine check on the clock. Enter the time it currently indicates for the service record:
6:21
